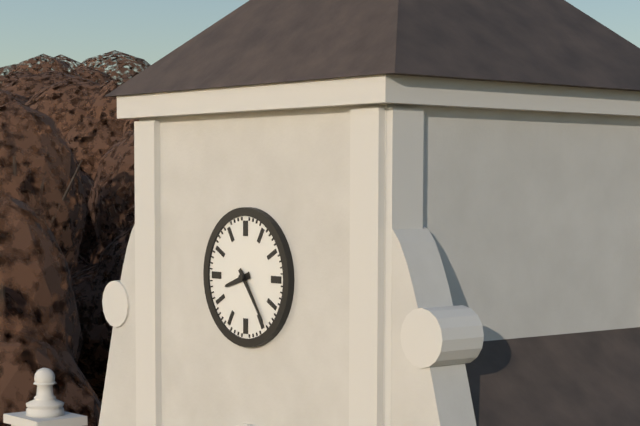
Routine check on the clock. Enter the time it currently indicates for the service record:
8:24
